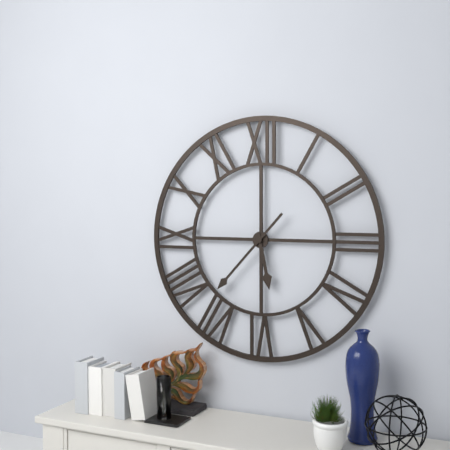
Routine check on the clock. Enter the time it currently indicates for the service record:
5:37
